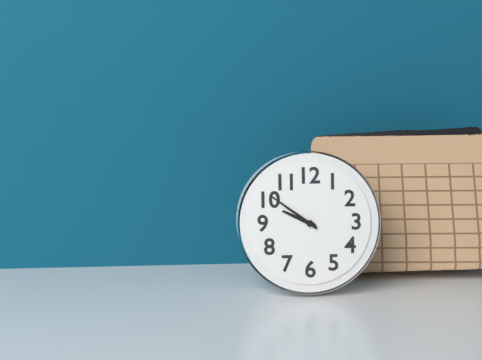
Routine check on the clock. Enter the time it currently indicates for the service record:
9:51
